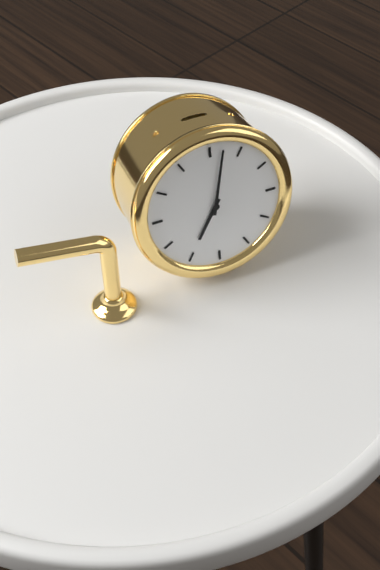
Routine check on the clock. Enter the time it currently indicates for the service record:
7:02
